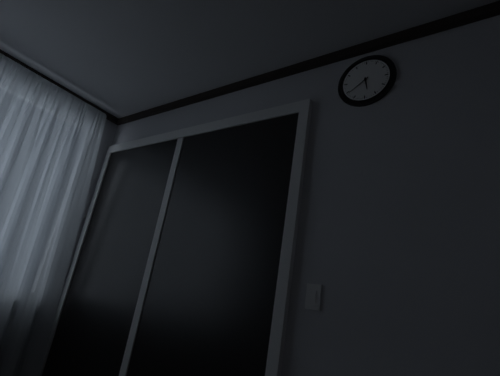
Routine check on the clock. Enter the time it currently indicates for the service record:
5:39
